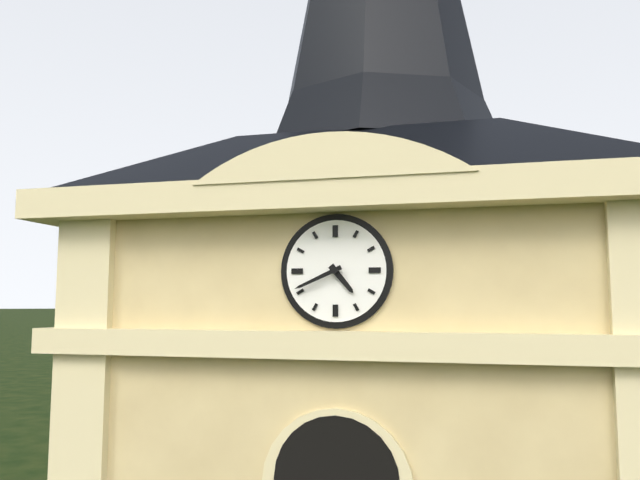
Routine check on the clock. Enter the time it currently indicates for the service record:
4:41
